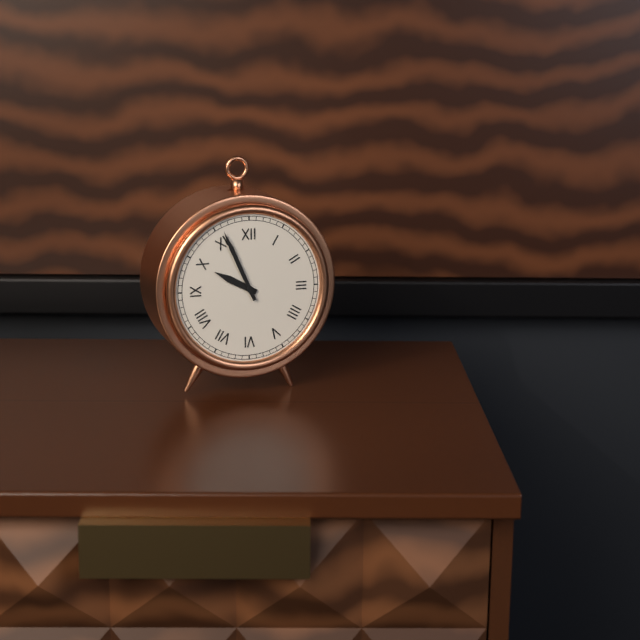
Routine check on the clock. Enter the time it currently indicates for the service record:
9:56
